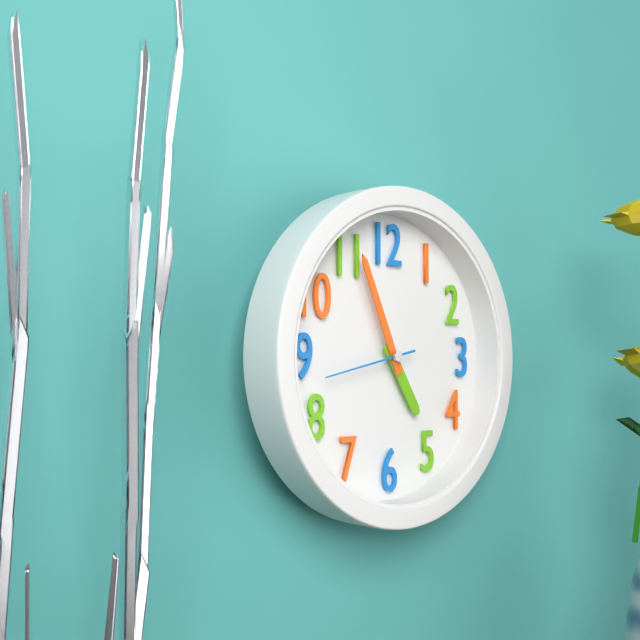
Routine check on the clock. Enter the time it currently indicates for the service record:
4:56:43
